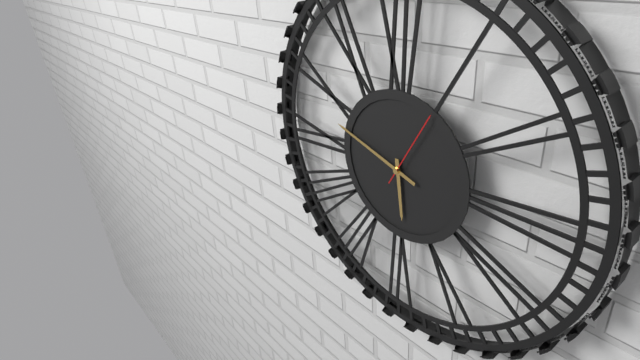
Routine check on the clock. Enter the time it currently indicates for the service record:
5:48:05
